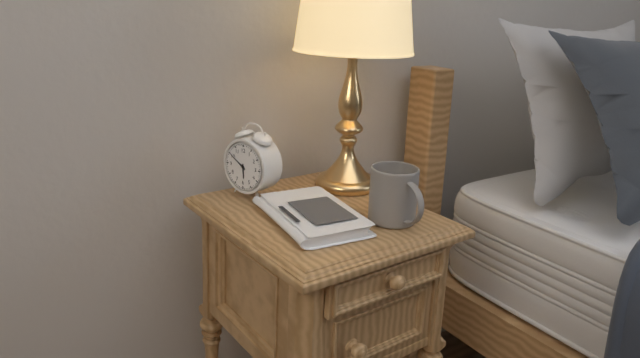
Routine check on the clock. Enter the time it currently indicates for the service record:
5:50
